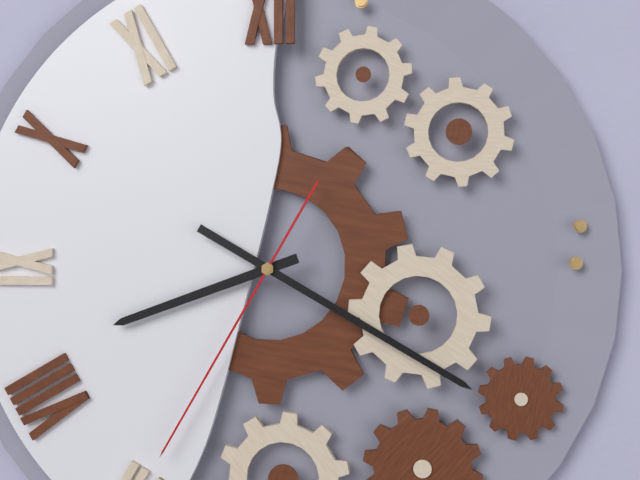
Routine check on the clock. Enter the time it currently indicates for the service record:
8:20:35
